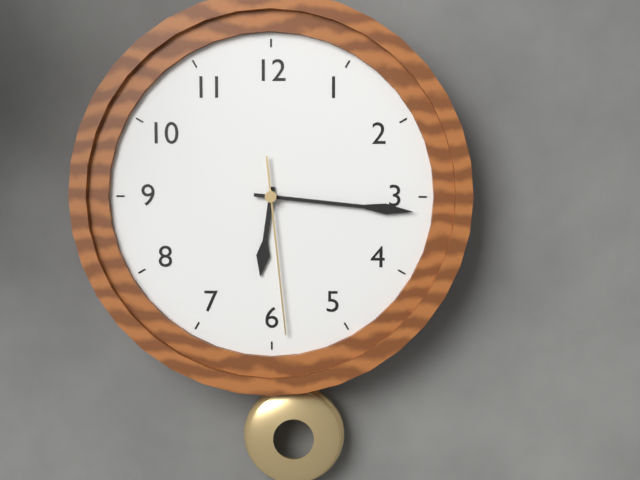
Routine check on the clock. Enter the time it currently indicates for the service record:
6:16:29
